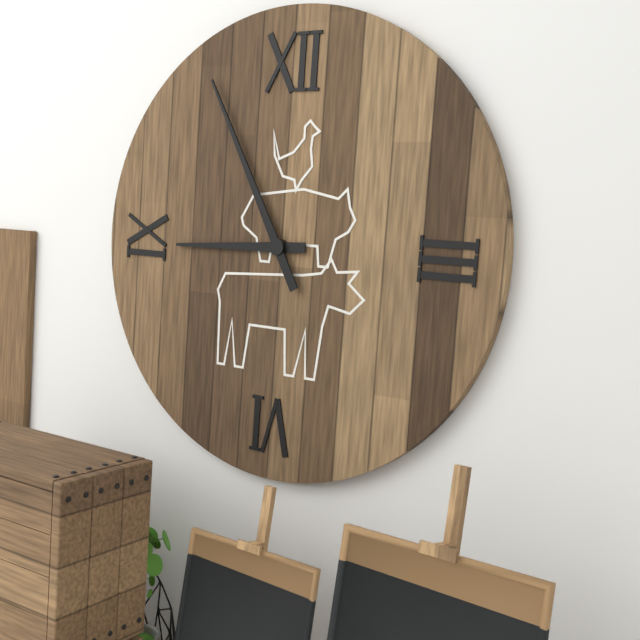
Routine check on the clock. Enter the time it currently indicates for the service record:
8:55
